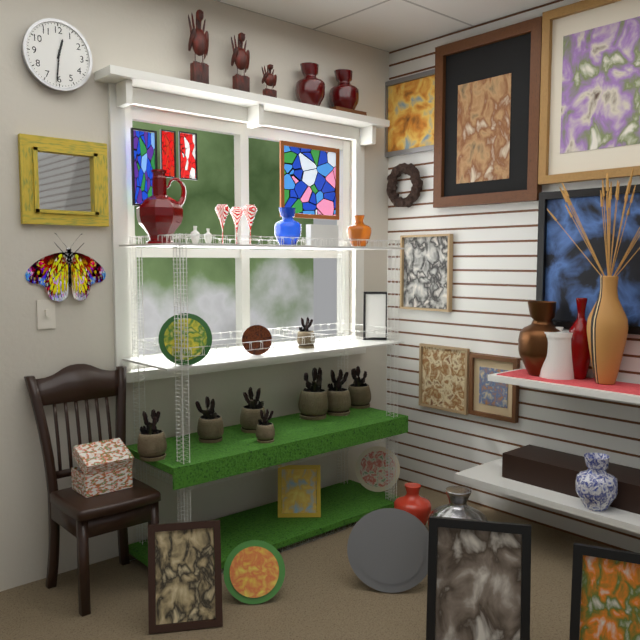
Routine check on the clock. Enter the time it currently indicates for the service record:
12:31
